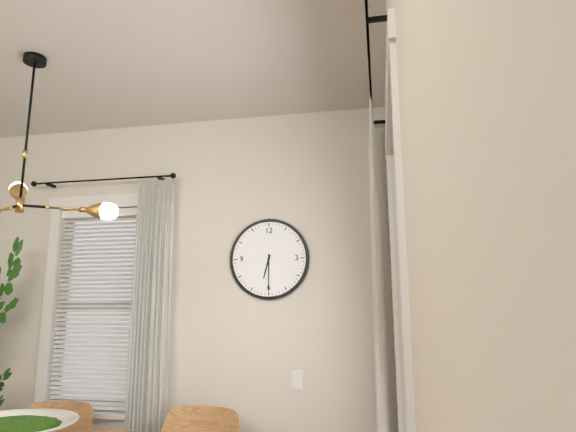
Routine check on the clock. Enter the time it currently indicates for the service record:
6:30
